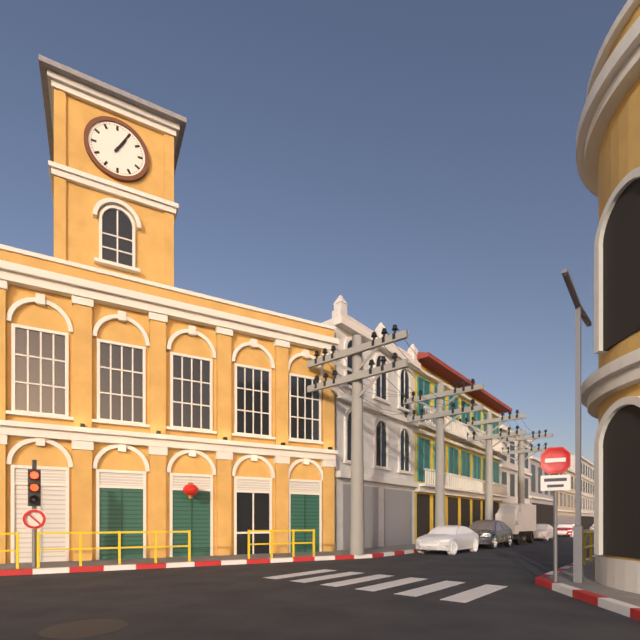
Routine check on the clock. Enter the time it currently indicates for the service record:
1:05
